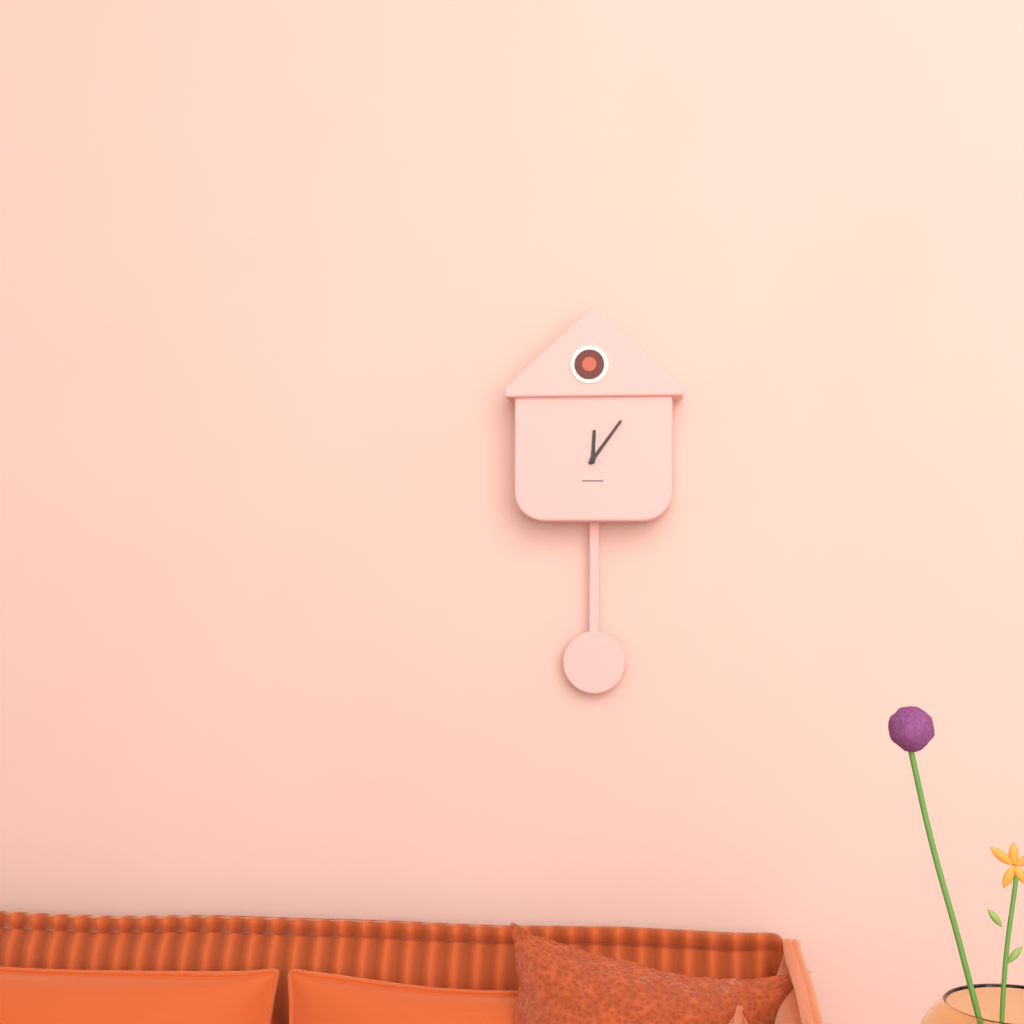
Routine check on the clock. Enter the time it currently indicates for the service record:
12:06
